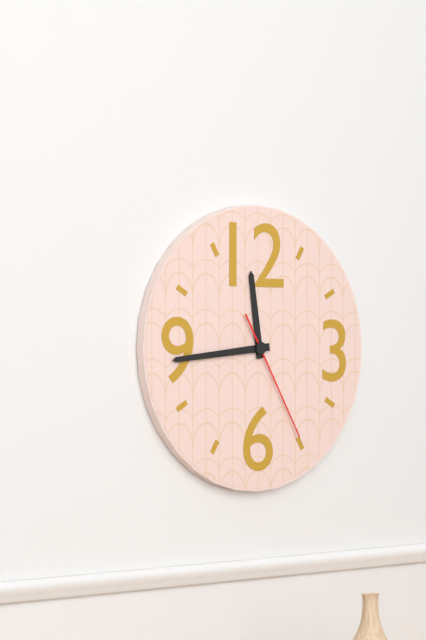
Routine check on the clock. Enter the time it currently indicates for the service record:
11:44:25
